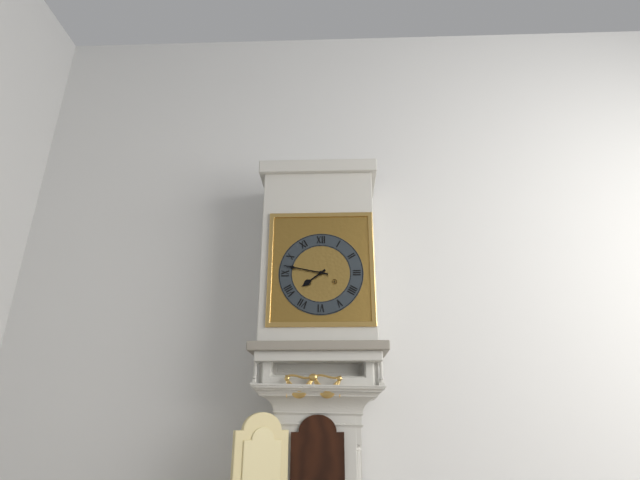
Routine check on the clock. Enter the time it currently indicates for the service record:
7:47
